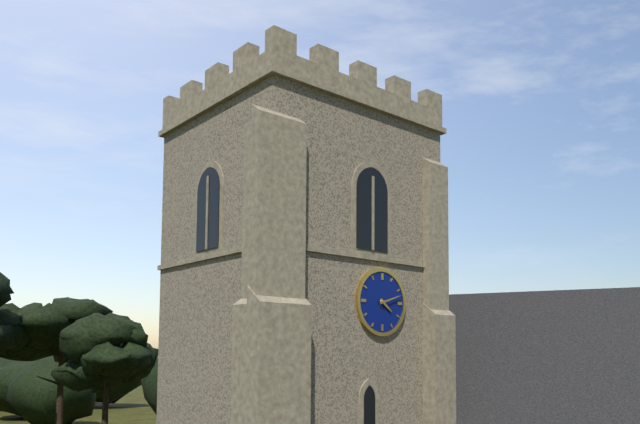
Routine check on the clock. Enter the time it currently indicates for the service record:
4:12
